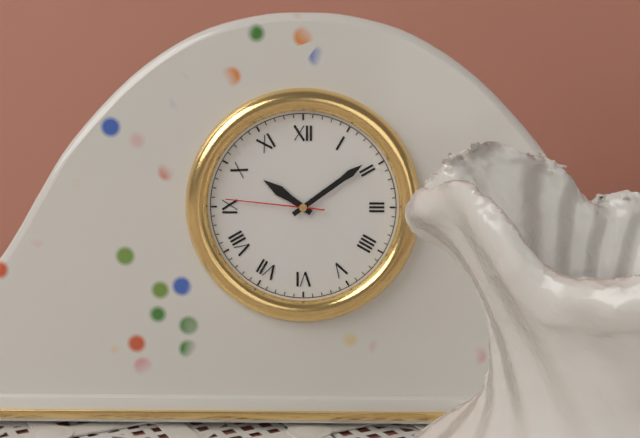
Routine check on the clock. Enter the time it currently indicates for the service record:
10:09:46
